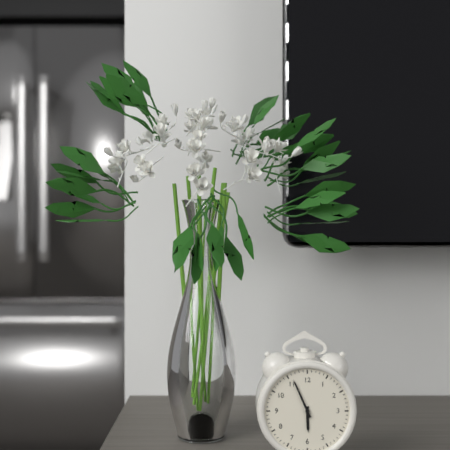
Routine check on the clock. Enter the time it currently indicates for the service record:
5:56
